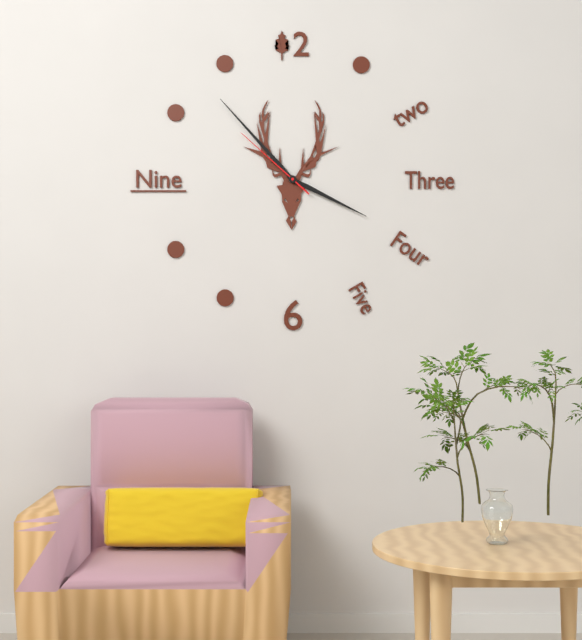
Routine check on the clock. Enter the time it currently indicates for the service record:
3:53:52
